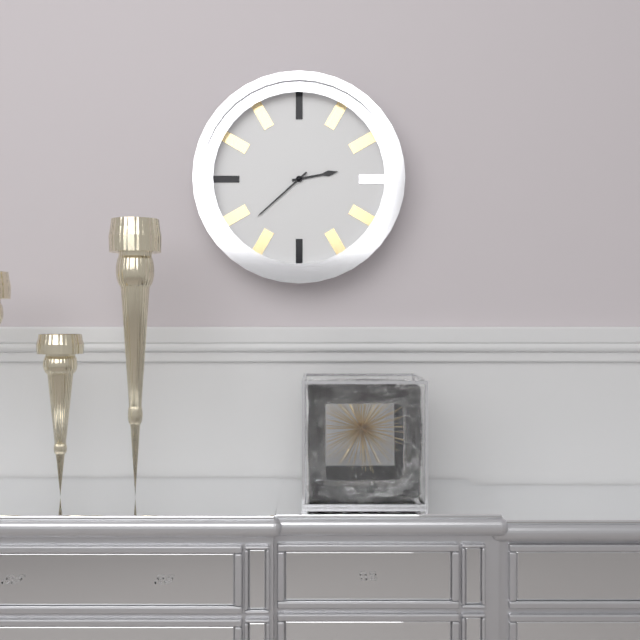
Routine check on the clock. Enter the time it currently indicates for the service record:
2:38
